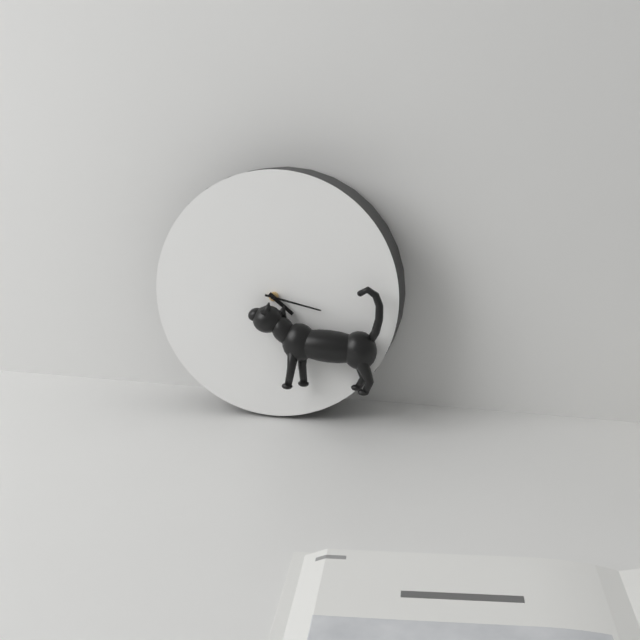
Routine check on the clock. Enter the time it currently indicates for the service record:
4:17
